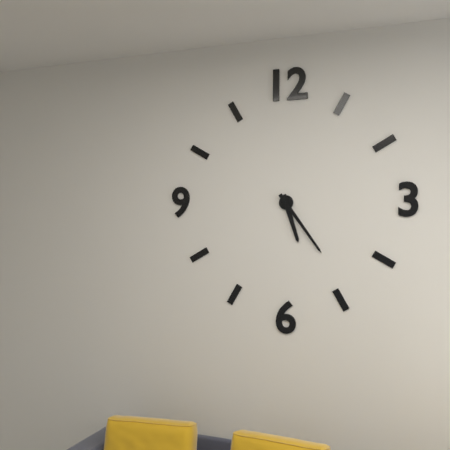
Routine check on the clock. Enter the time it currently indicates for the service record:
5:24
